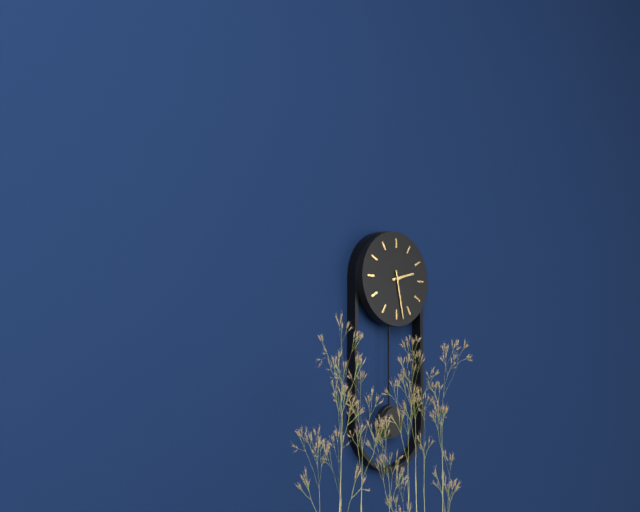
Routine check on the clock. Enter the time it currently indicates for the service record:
2:28
